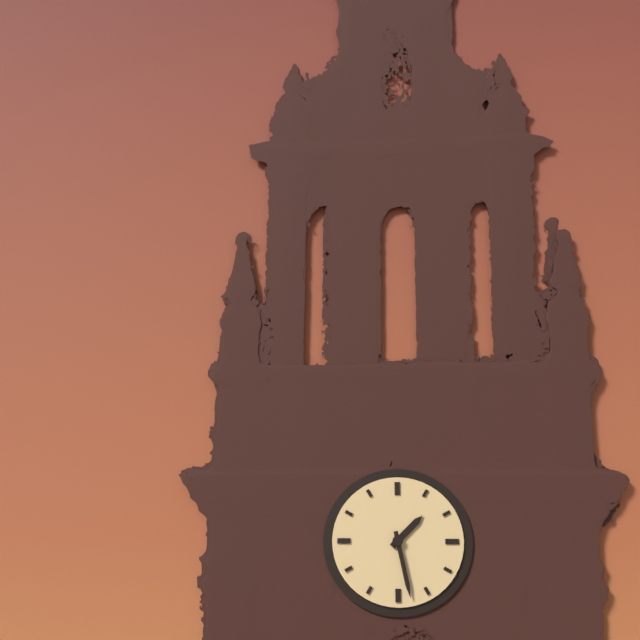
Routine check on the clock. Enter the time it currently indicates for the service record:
1:28
